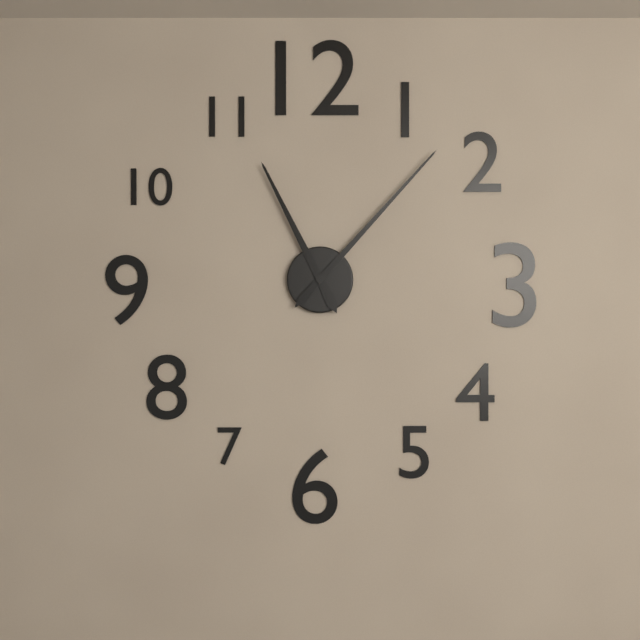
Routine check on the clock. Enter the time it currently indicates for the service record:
11:07
